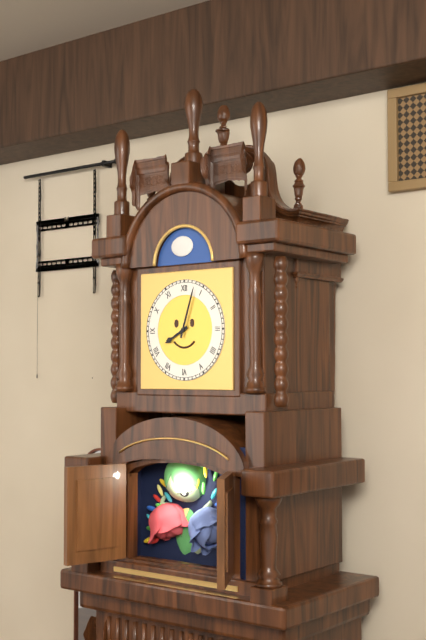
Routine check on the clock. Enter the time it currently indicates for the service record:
8:03
